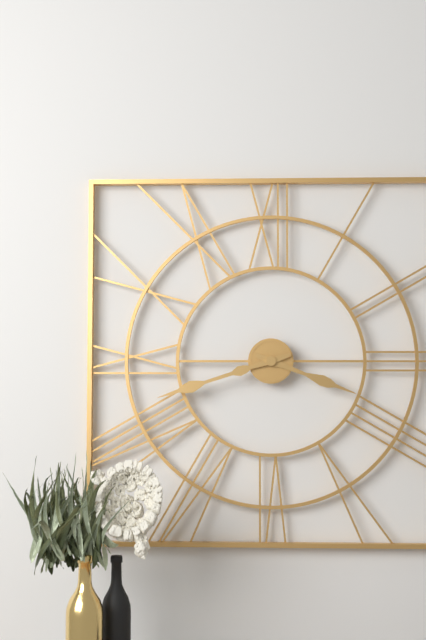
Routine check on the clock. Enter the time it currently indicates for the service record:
3:42
